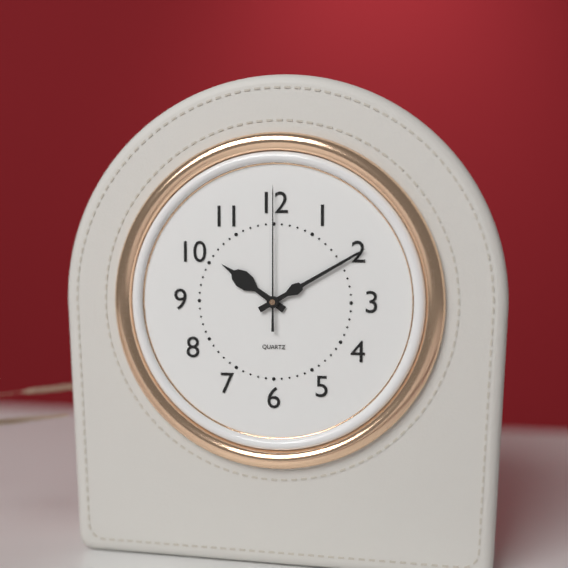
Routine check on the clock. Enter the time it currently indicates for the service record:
10:10:00
